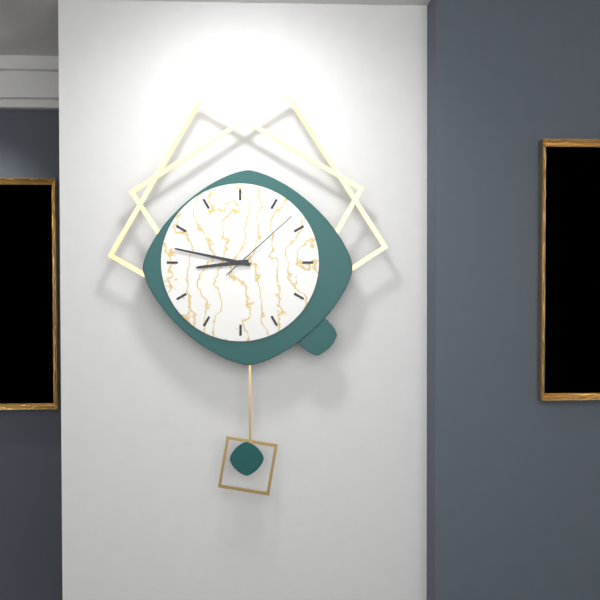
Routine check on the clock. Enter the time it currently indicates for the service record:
8:47:08
